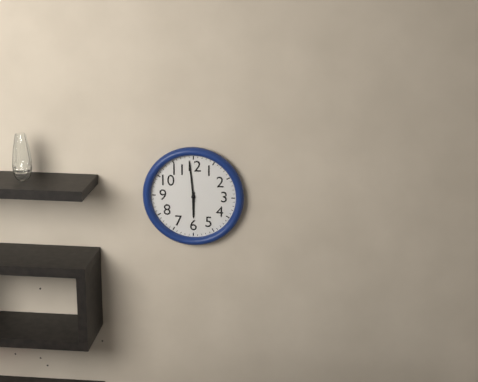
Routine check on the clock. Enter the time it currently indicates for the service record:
5:59
